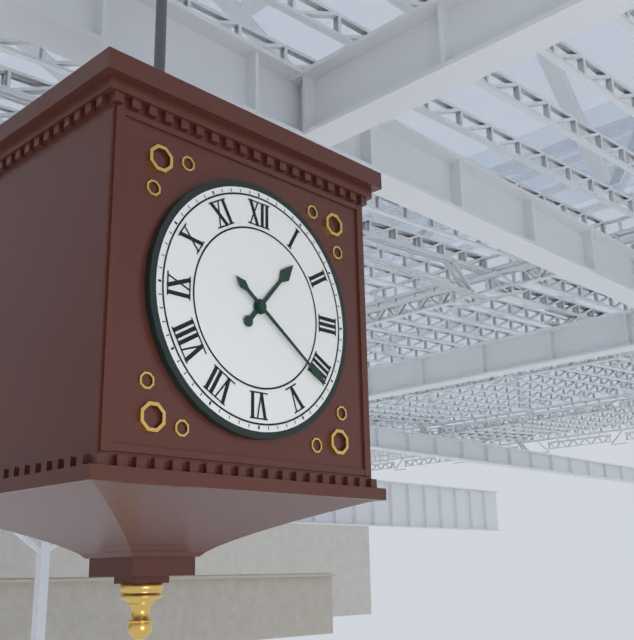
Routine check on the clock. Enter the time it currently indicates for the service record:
1:21
